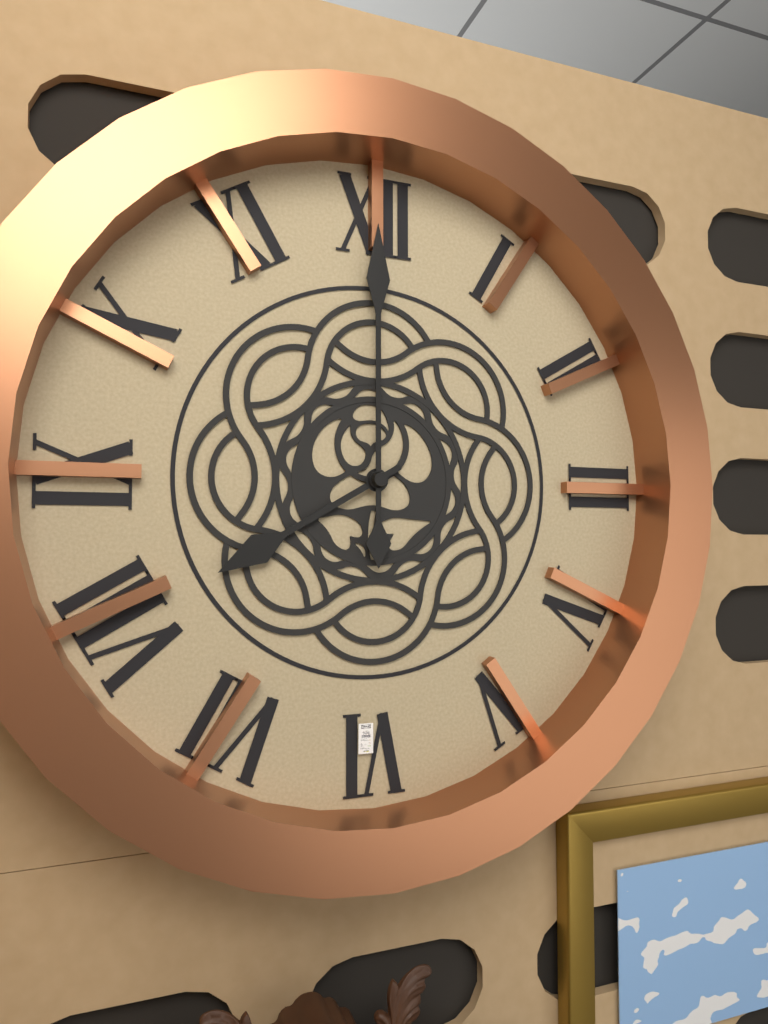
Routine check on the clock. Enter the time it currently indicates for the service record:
8:00
